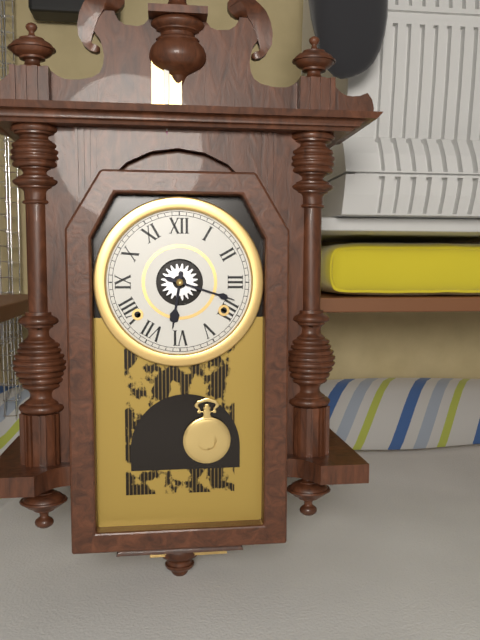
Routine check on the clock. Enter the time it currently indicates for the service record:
6:18
